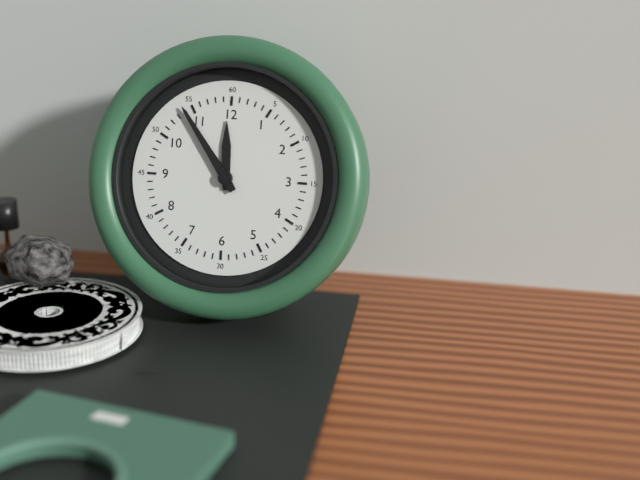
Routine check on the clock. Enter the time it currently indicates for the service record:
11:54
